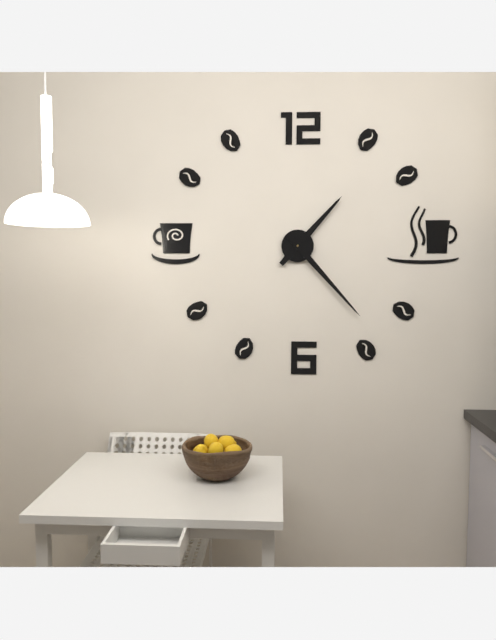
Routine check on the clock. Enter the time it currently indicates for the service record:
1:23
